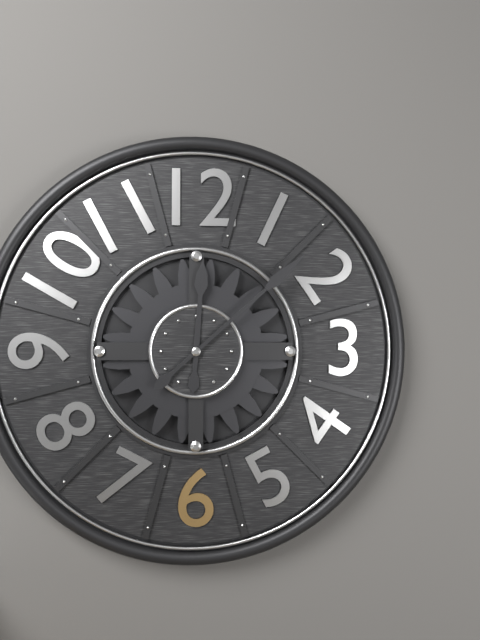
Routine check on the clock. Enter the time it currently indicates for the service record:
12:08
